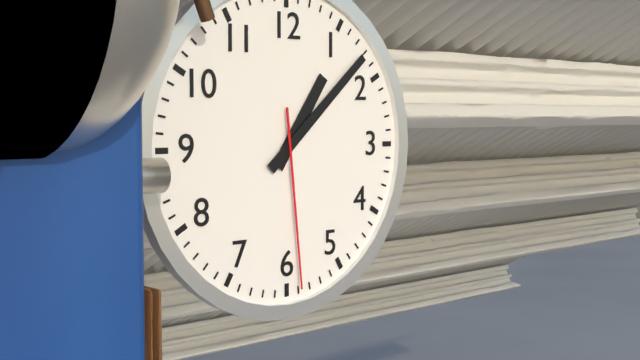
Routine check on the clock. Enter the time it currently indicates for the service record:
1:08:29
